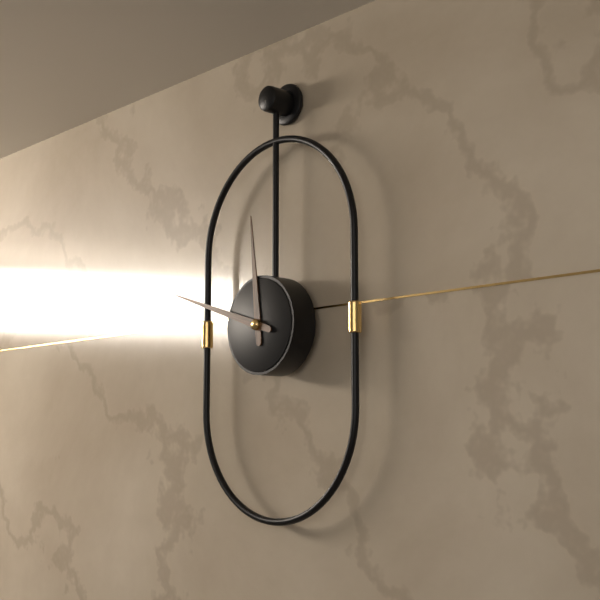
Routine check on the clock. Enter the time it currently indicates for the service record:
11:48
